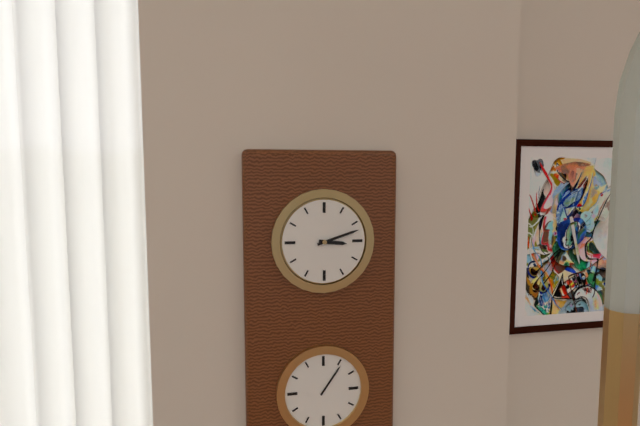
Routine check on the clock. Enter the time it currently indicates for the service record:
3:12
